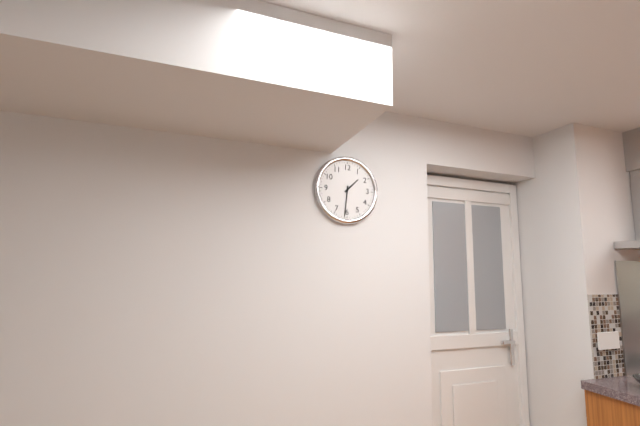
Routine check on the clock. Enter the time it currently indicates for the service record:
1:31
